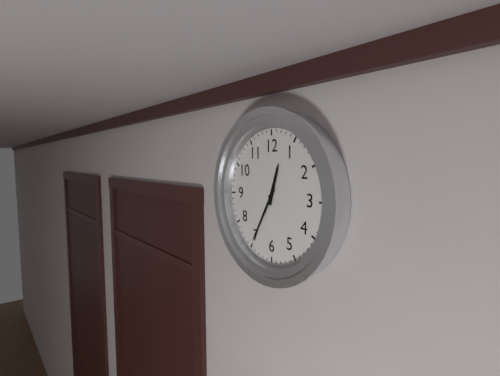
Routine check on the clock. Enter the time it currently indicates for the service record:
12:35
